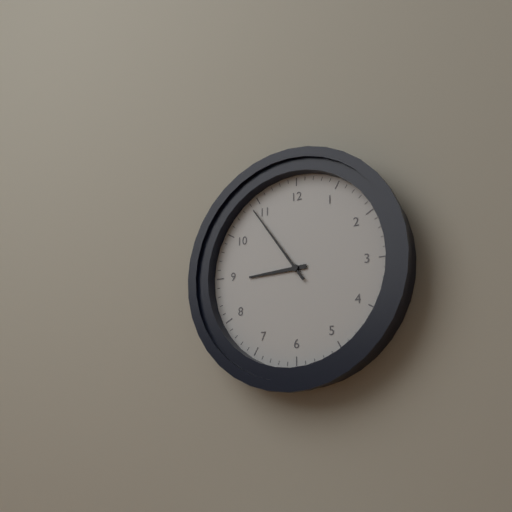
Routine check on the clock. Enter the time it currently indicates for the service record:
8:54
